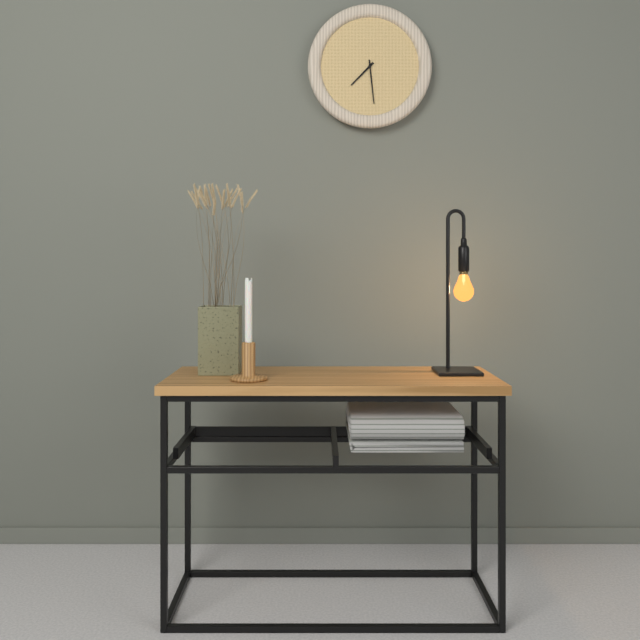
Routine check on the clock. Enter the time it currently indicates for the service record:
7:29
